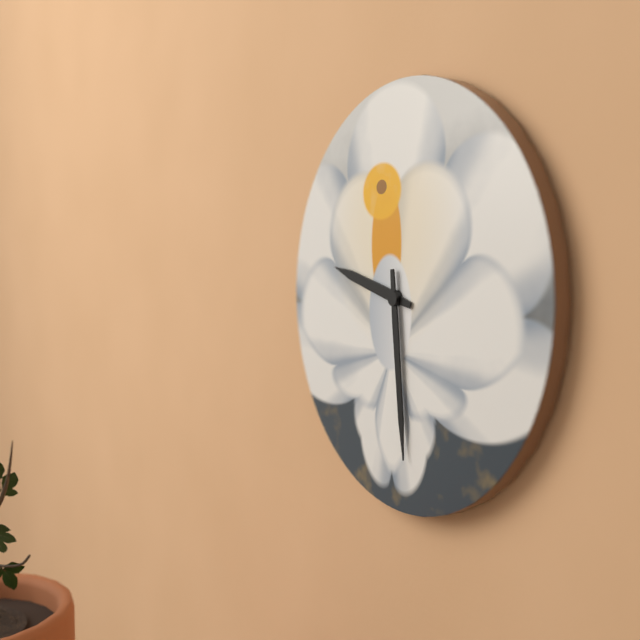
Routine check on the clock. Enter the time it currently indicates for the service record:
9:29
